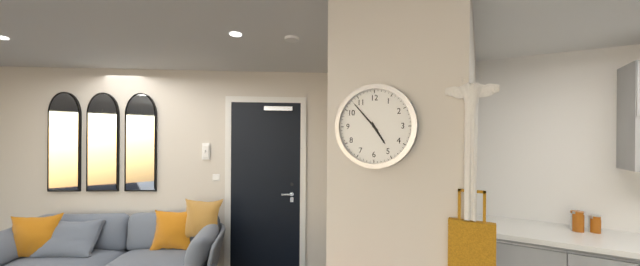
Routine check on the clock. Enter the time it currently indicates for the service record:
4:53
